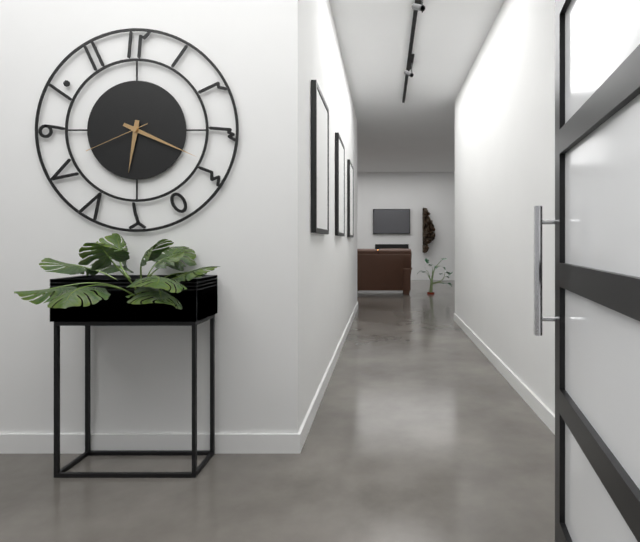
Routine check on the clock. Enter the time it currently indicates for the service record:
6:19:41
